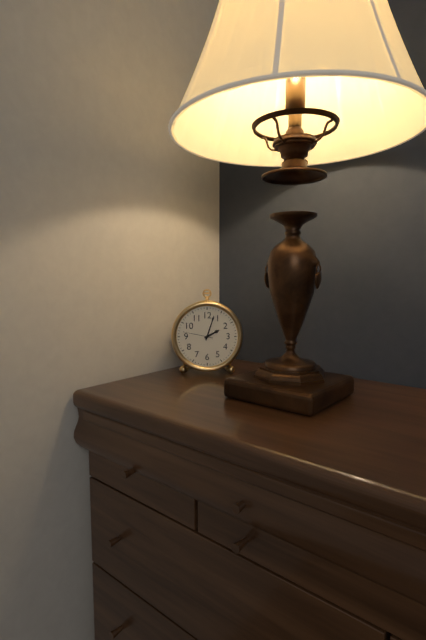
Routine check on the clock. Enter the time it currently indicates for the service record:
2:03
